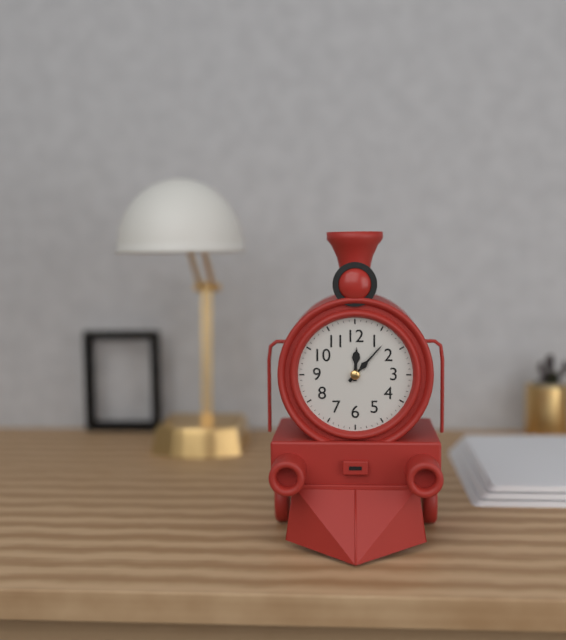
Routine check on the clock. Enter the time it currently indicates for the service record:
12:07
